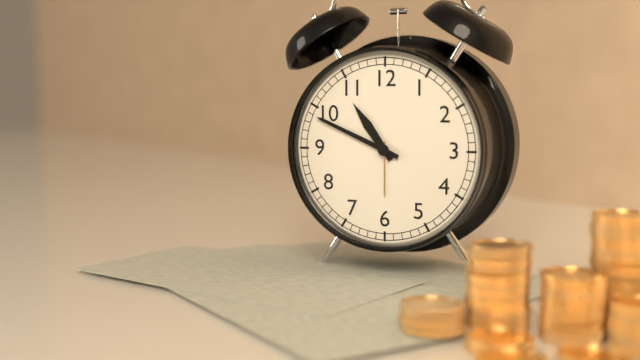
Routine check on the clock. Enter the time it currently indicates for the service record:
10:49
